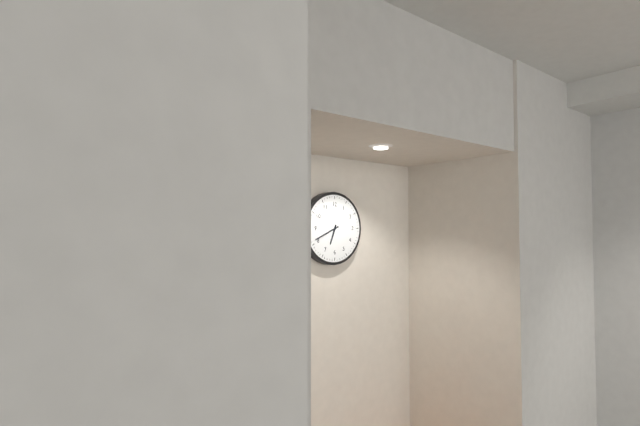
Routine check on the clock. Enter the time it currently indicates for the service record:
6:41
